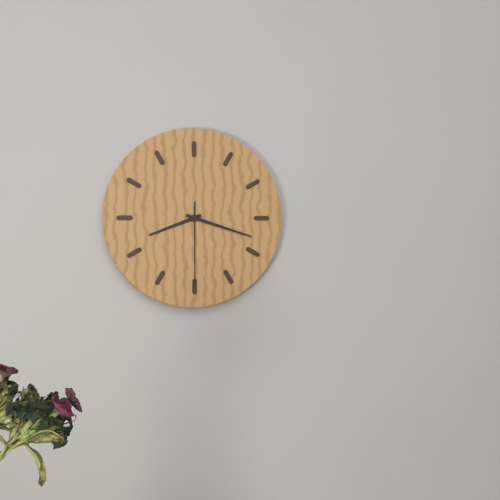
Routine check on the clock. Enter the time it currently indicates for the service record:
8:18:30
